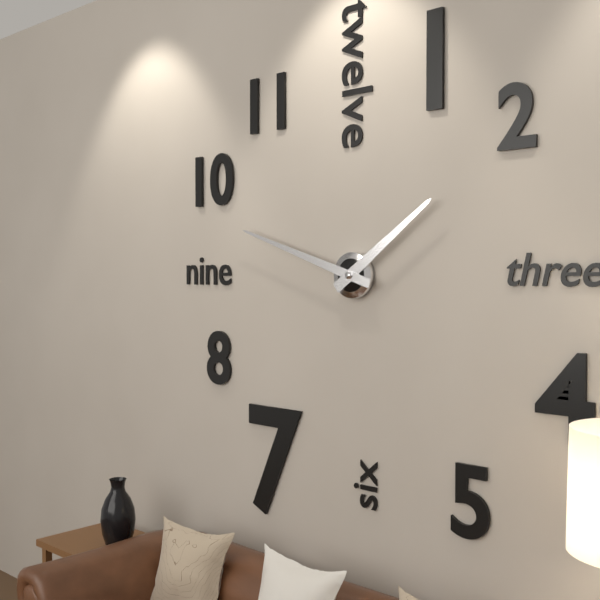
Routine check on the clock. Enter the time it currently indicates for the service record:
1:48
